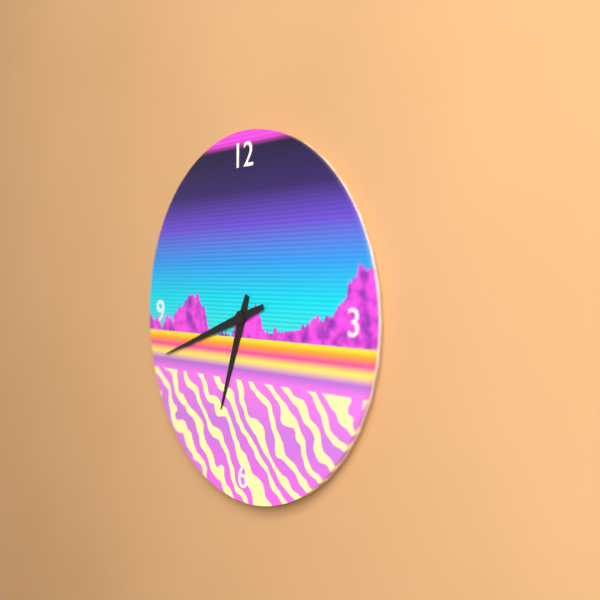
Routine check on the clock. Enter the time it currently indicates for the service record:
6:42
